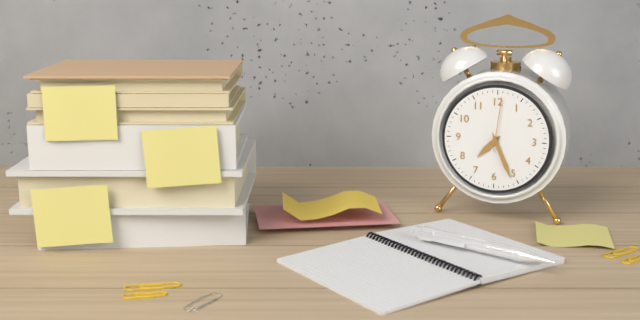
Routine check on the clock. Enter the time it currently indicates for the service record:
7:26:01
